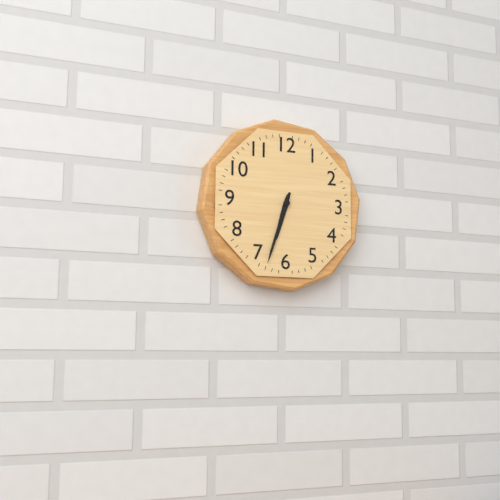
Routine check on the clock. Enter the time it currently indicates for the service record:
6:33
